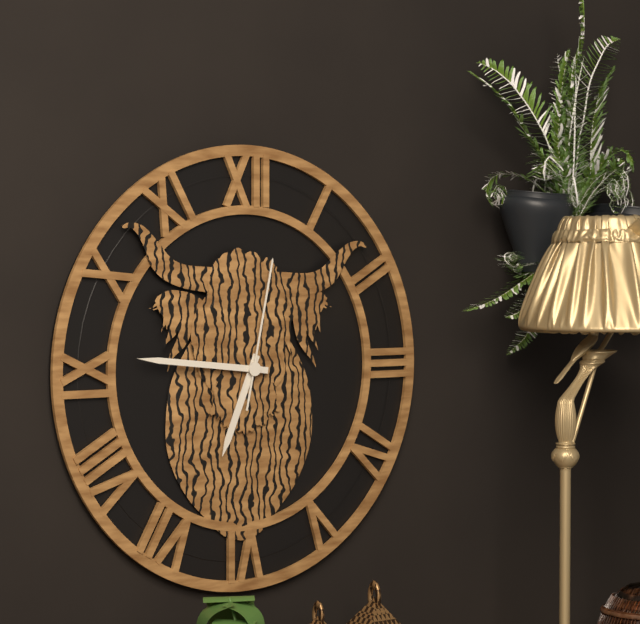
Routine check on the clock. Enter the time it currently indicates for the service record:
6:46:02
